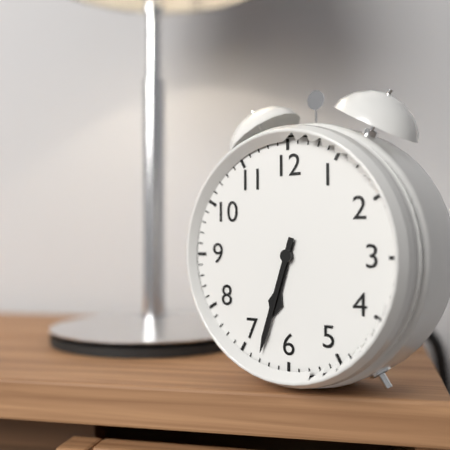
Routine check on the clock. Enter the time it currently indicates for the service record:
6:33
